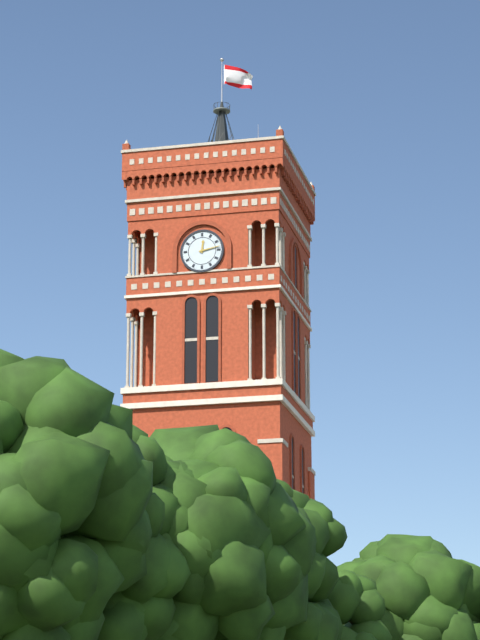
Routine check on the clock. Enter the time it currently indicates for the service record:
12:13
